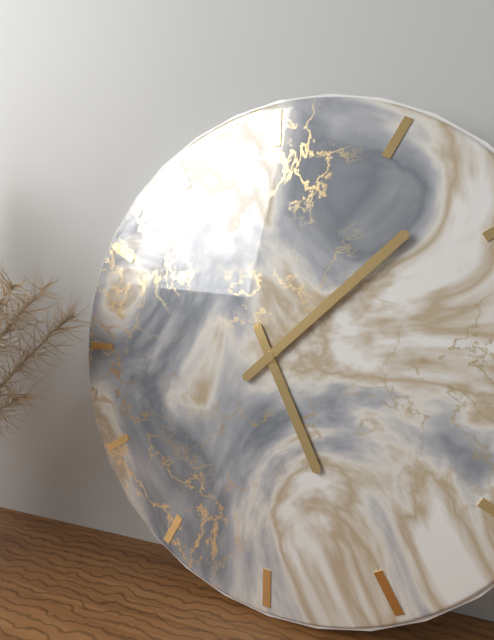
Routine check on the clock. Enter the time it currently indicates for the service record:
5:08
